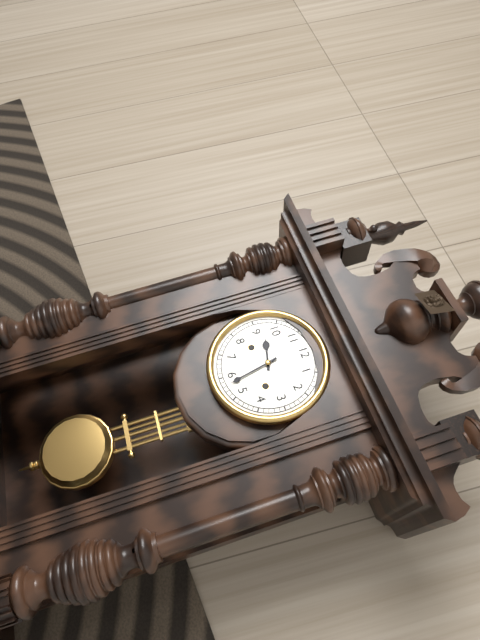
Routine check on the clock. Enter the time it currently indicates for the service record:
9:28
